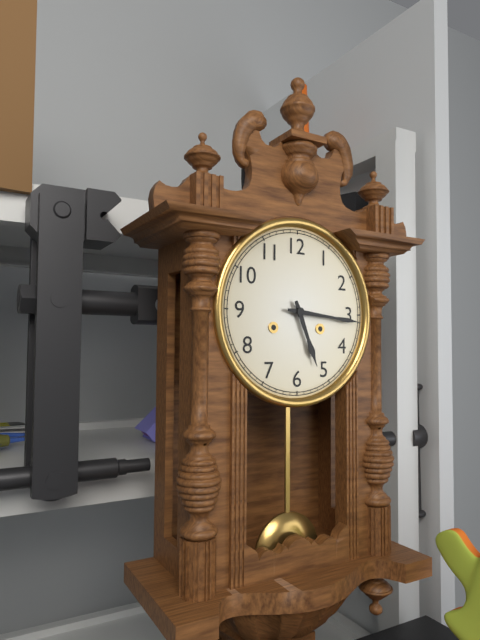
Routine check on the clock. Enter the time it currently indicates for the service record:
5:16
